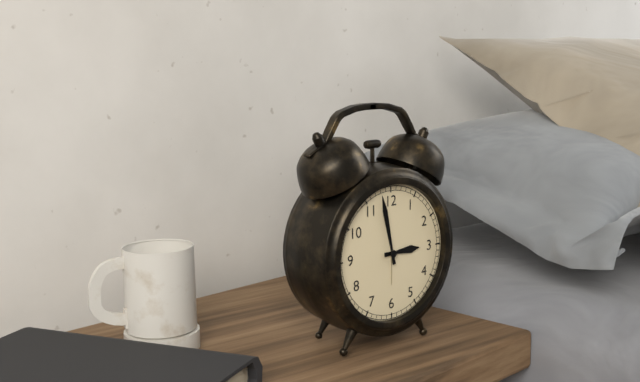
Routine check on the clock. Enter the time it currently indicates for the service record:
2:58
